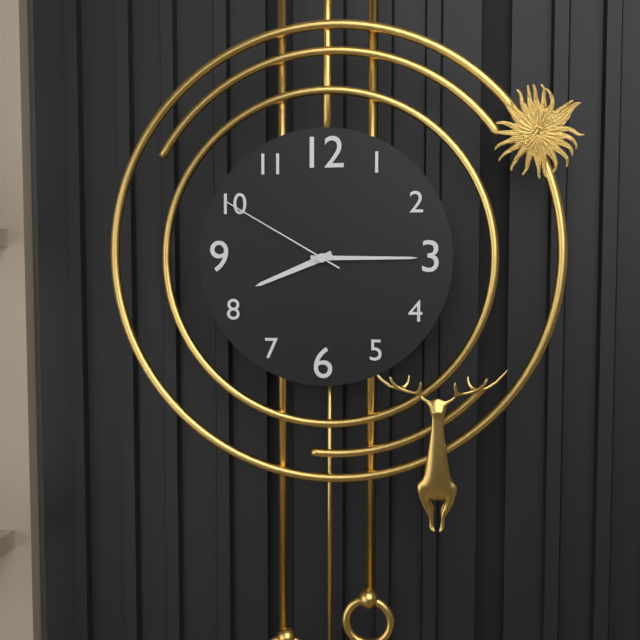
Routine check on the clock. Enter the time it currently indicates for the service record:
8:15:50
